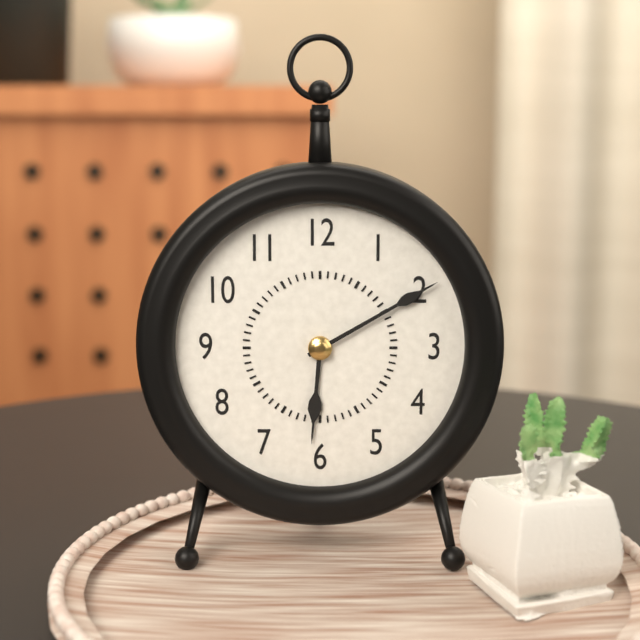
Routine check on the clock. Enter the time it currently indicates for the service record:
6:10
